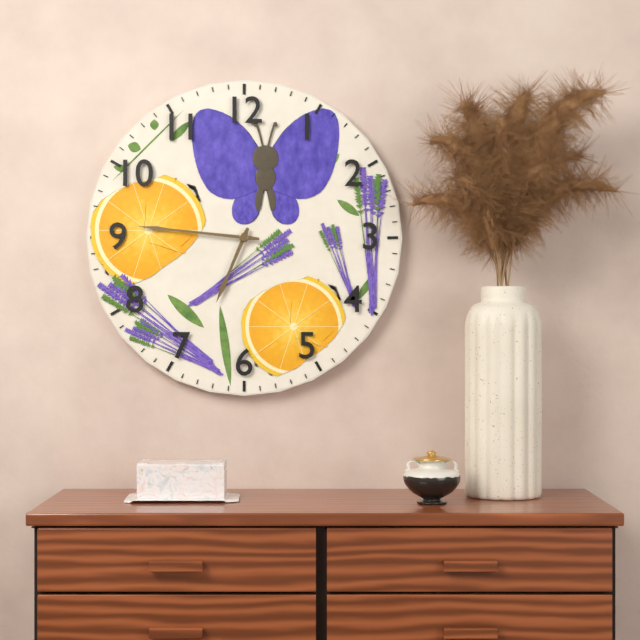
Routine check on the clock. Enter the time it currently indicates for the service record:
6:46
